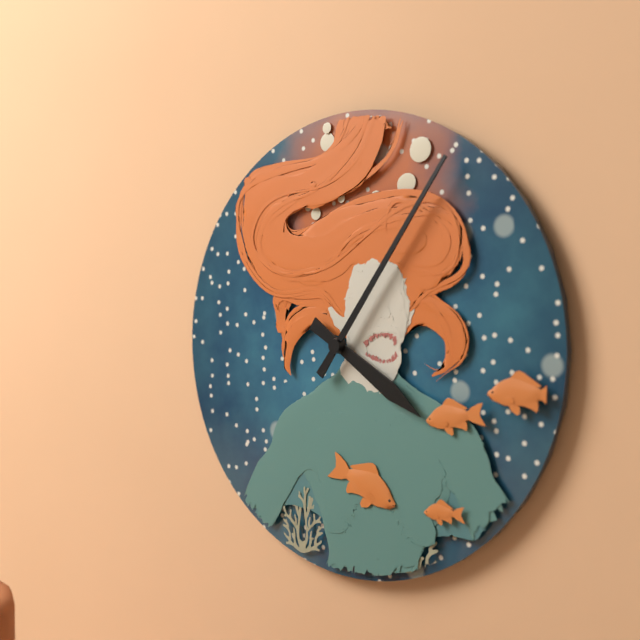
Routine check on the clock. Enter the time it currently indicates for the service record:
4:06
